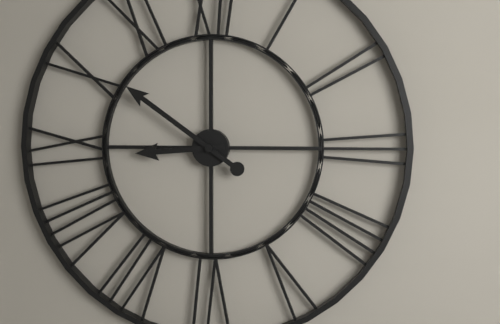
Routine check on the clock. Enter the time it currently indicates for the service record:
8:51
